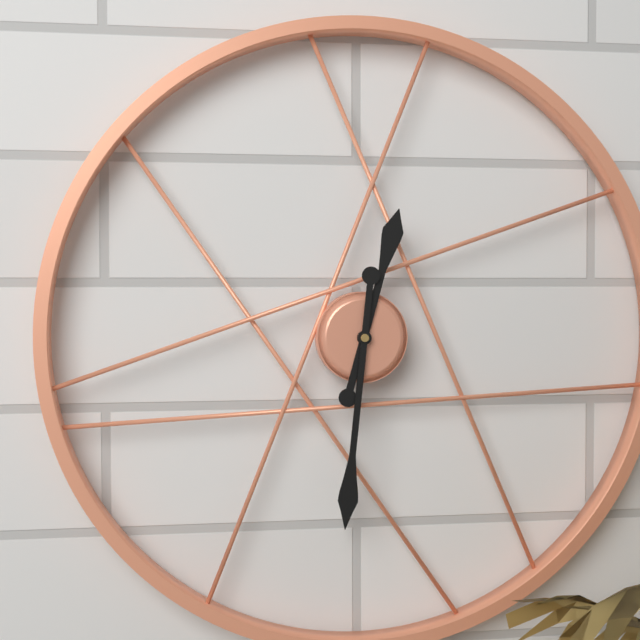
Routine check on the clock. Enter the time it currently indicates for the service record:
12:31
